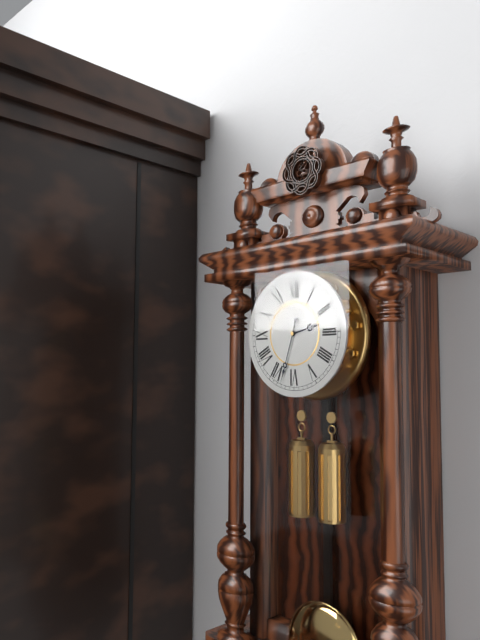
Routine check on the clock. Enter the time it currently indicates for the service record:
2:33
